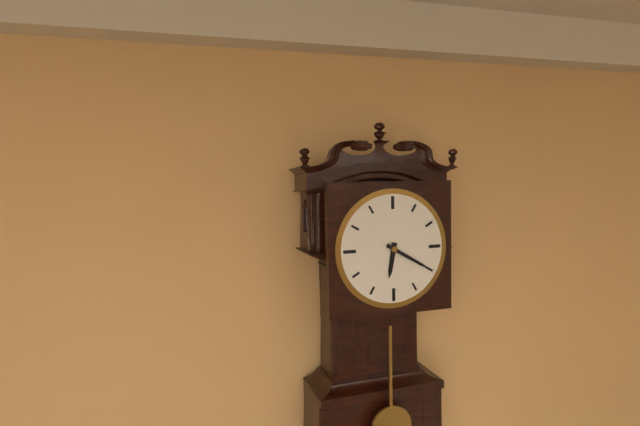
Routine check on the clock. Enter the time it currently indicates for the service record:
6:20
